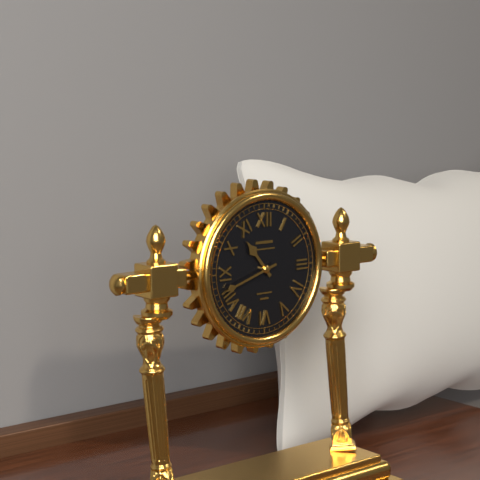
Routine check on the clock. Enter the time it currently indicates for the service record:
10:42
